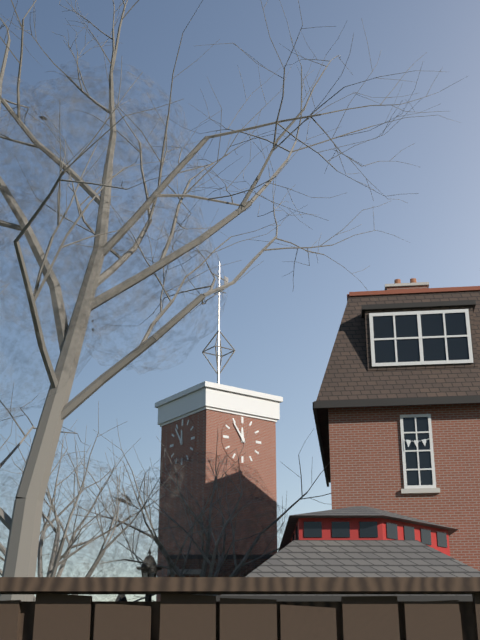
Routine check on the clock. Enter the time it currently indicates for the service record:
11:54
